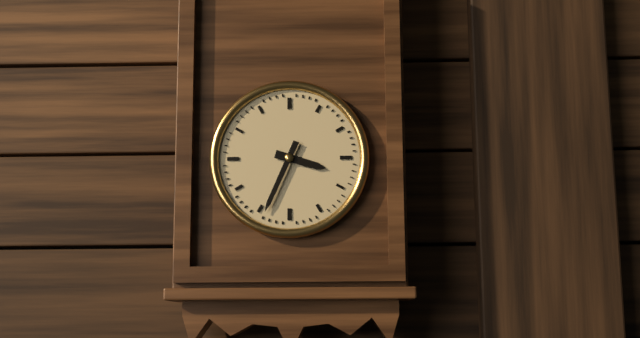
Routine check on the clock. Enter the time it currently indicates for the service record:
3:34
